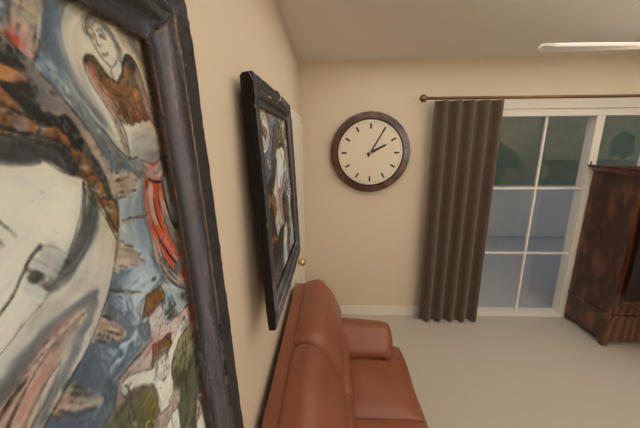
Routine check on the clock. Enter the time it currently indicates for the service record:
2:05
